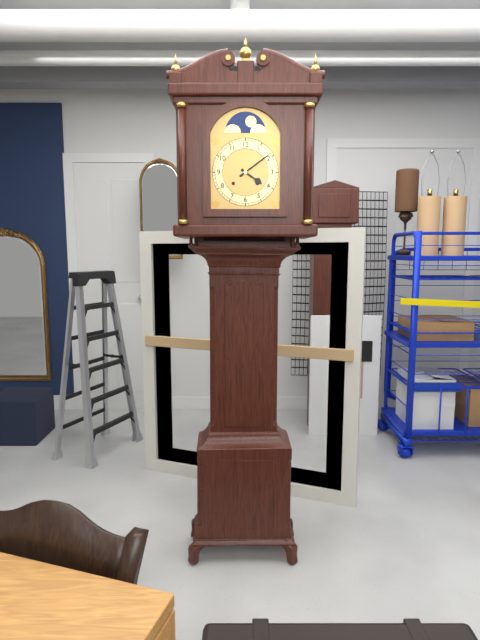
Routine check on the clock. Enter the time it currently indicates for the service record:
4:09
